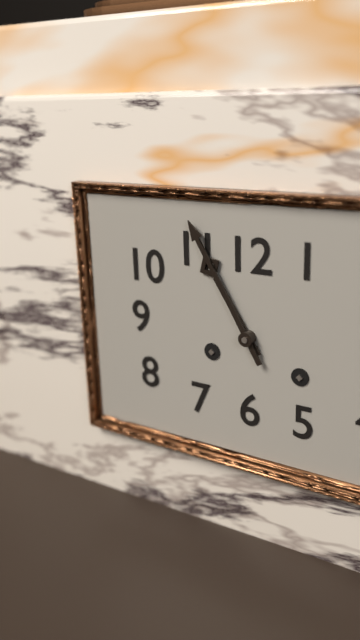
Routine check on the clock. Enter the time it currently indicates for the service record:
10:55
